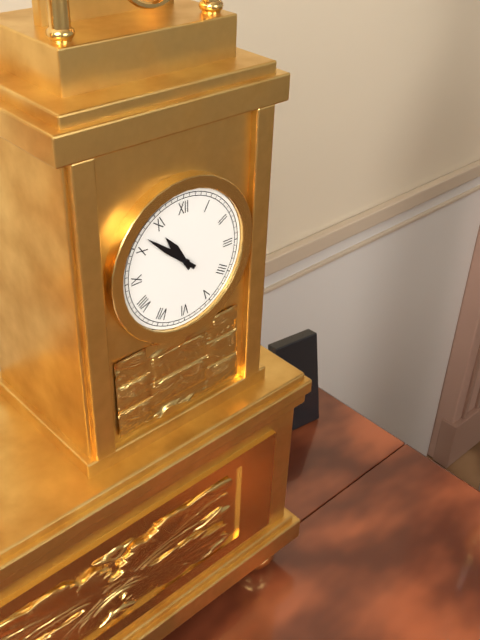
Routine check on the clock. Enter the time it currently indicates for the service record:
10:52
